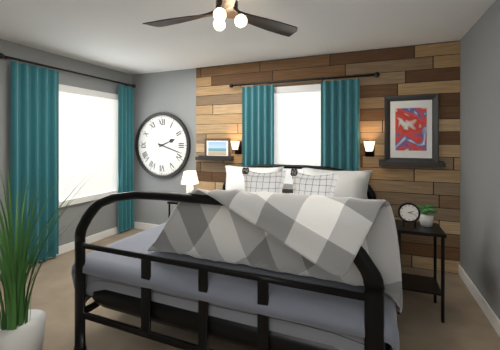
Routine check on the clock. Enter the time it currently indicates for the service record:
2:18
